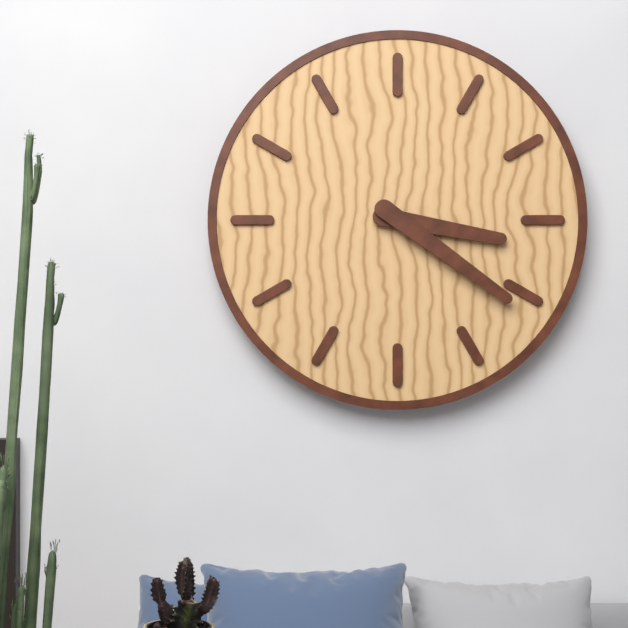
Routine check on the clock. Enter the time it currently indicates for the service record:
3:21
